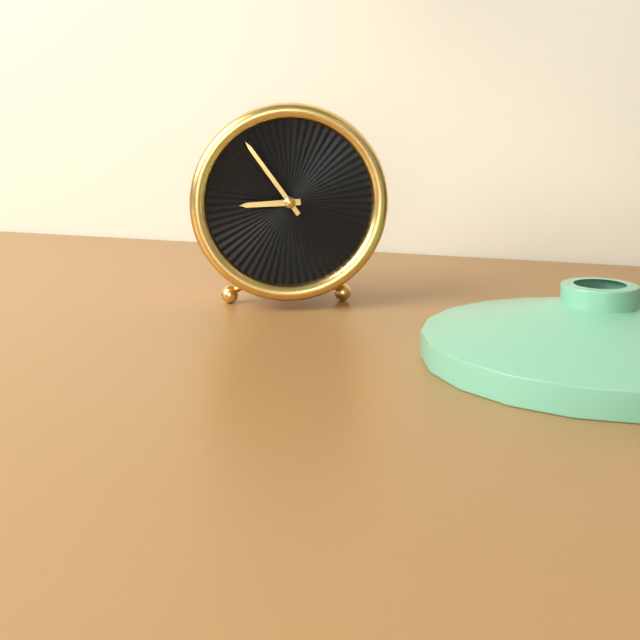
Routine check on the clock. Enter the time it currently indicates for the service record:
8:54
